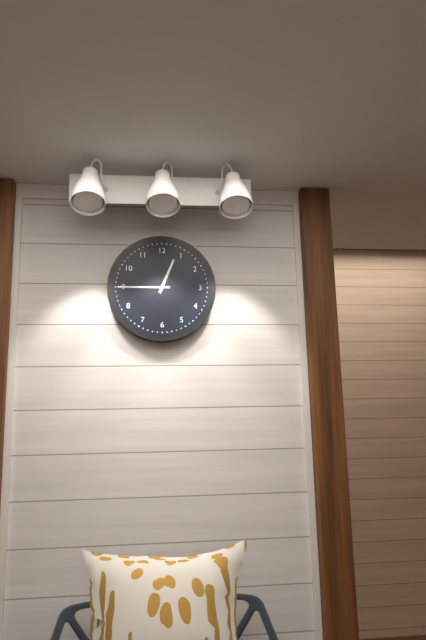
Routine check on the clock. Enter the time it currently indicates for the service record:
12:45
